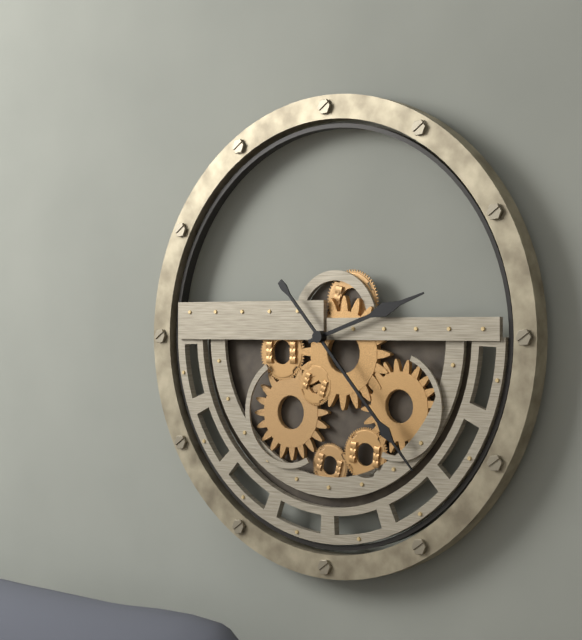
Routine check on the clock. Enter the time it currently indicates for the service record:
2:23
